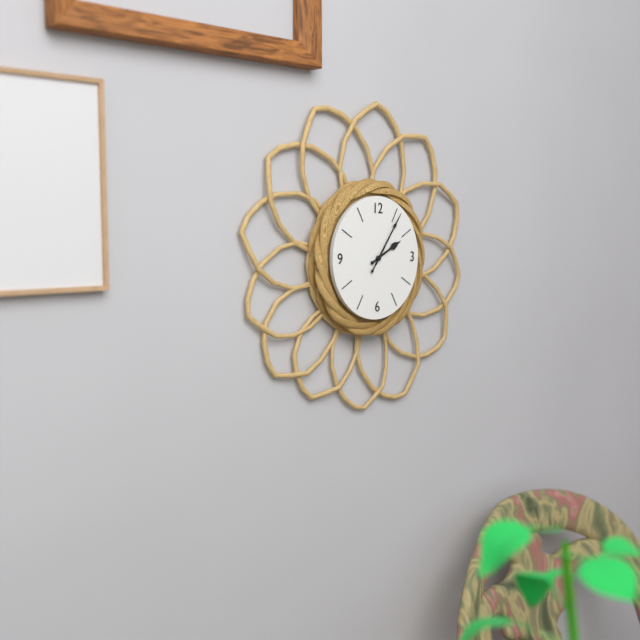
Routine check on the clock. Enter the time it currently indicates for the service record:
2:06
